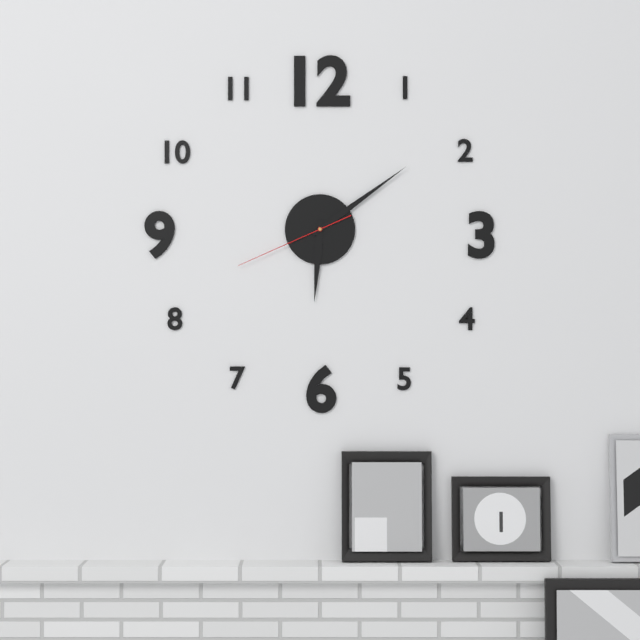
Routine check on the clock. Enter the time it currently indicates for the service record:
6:09:41
